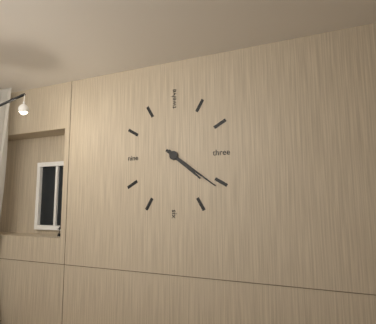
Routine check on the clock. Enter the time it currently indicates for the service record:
4:21
